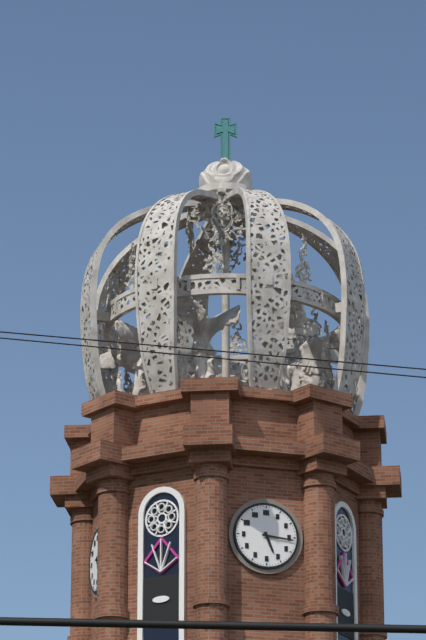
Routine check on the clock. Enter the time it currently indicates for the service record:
5:16
